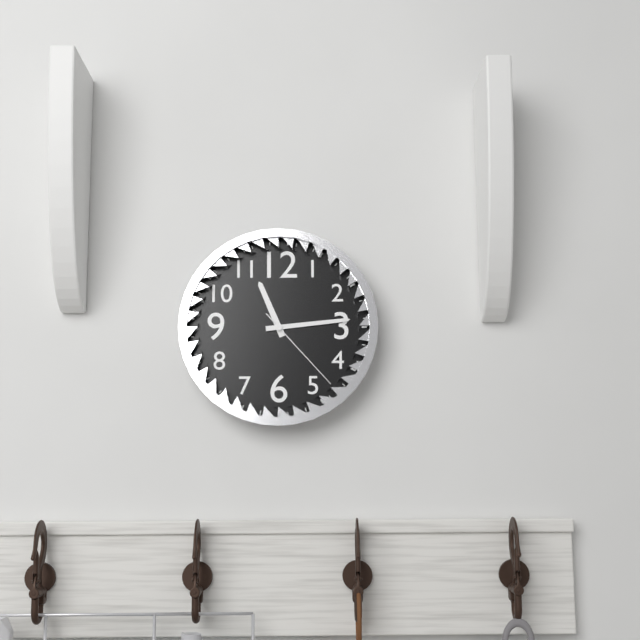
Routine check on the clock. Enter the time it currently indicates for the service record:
11:14:23
